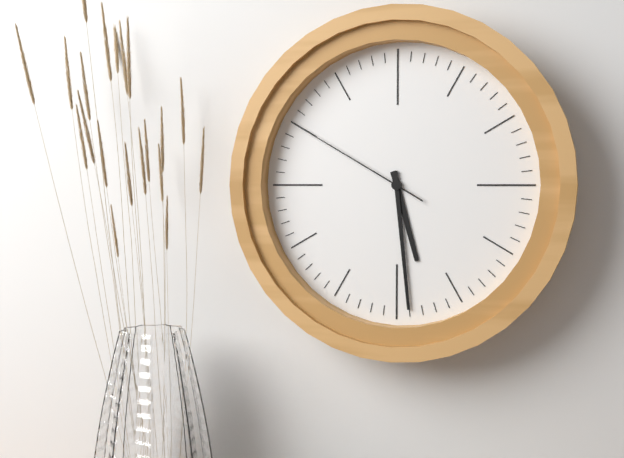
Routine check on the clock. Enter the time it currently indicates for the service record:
5:29:50
